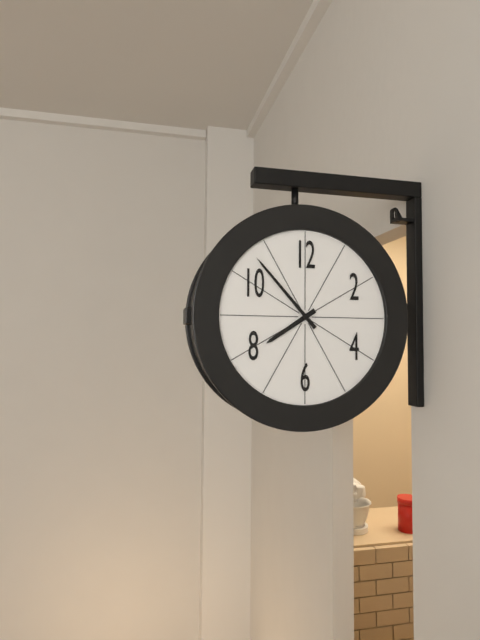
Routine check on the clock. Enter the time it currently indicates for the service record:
7:53
